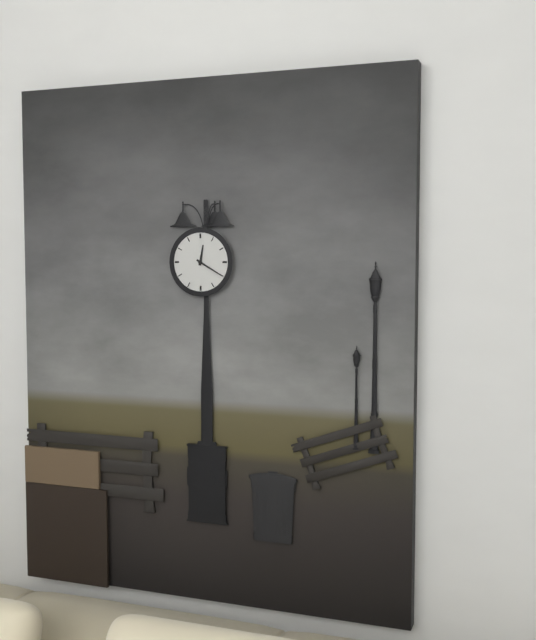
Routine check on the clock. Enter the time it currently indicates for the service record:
12:20
